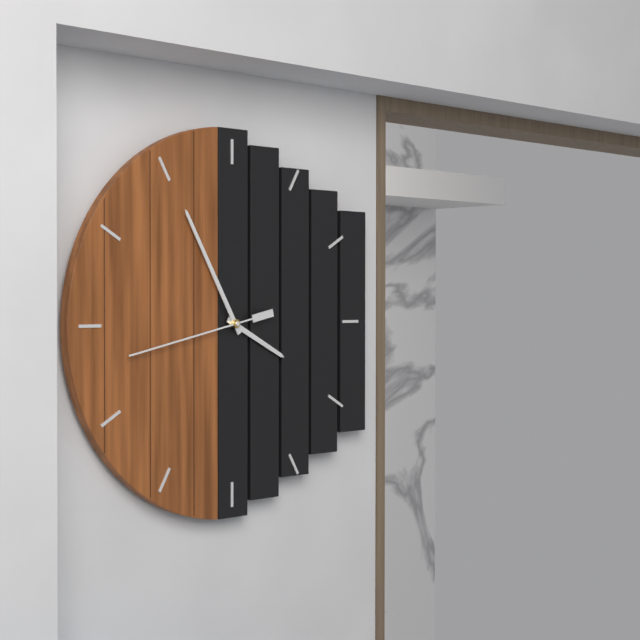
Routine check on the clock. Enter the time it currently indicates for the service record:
3:55:43
